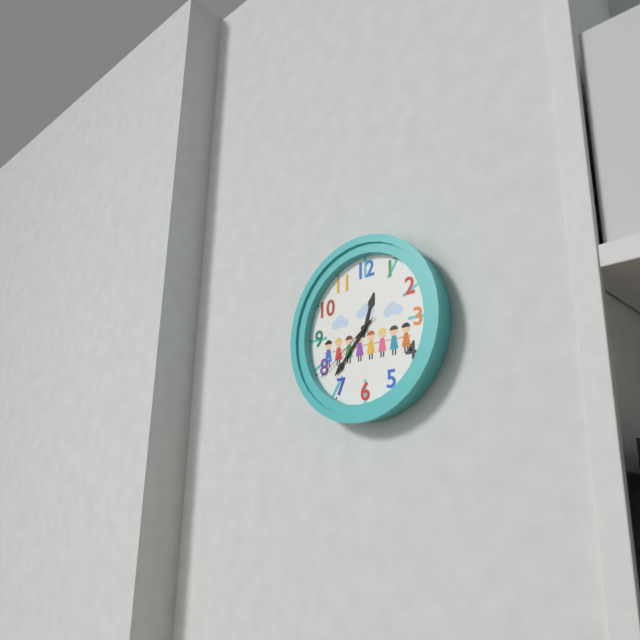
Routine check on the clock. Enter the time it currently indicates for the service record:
12:37:39
